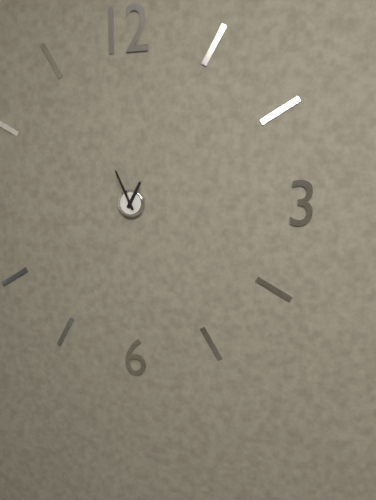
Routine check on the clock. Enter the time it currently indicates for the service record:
12:56
